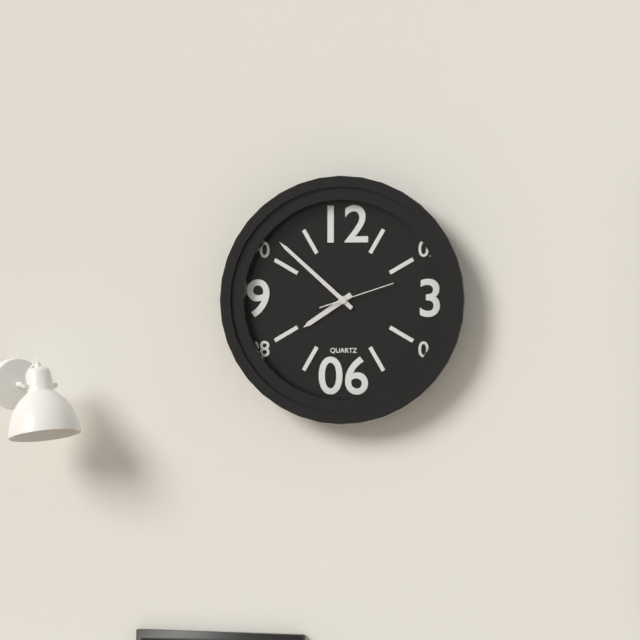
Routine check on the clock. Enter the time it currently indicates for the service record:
7:52:12
